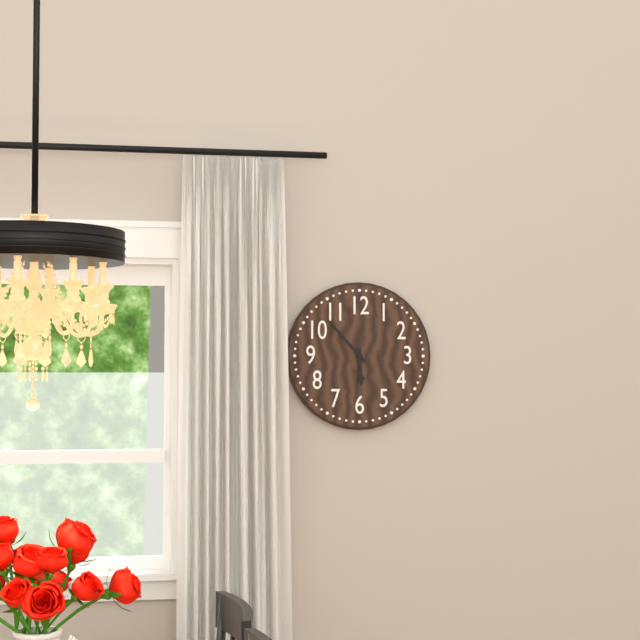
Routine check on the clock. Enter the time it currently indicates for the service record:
5:53
